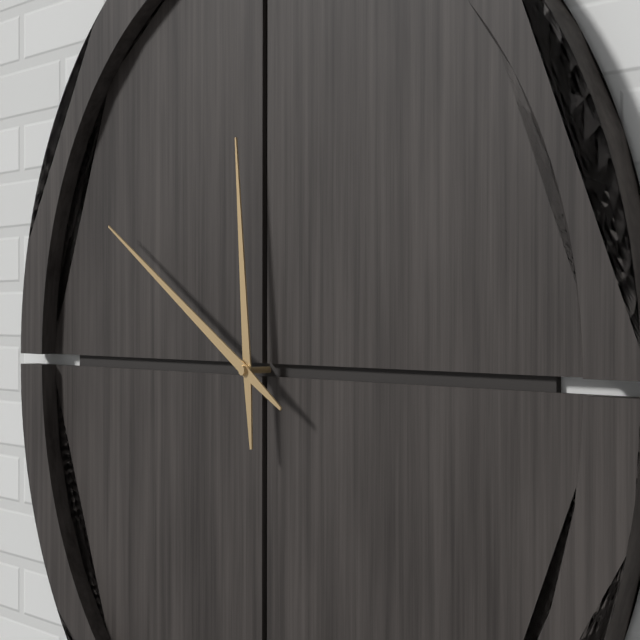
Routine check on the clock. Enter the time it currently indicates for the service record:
11:50
